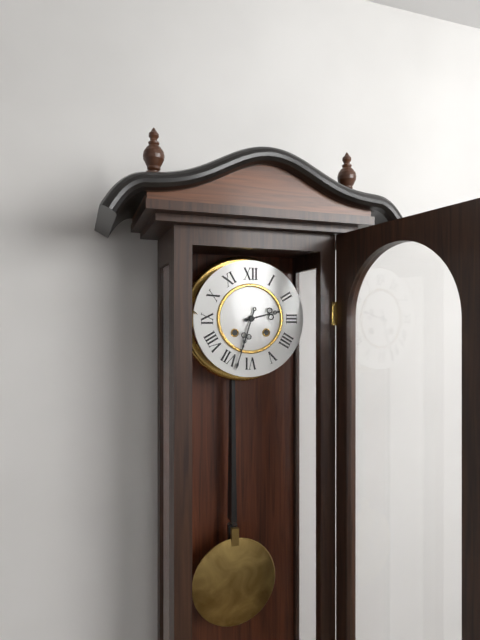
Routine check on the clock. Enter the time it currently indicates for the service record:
2:33
